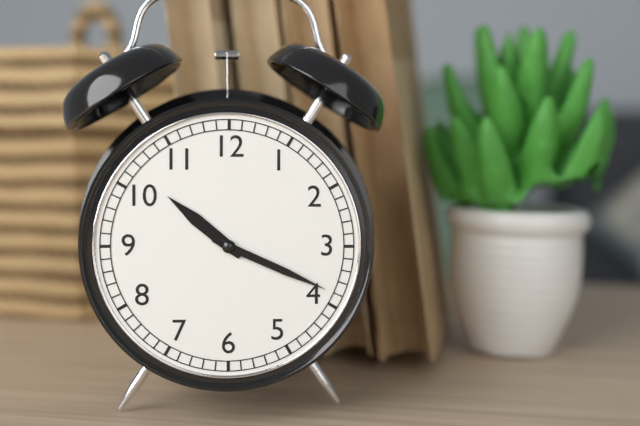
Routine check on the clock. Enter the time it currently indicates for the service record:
10:19
